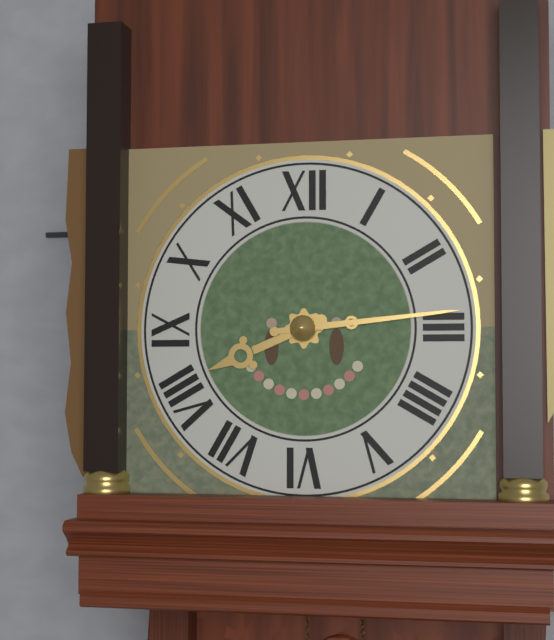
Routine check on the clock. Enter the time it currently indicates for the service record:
8:14
